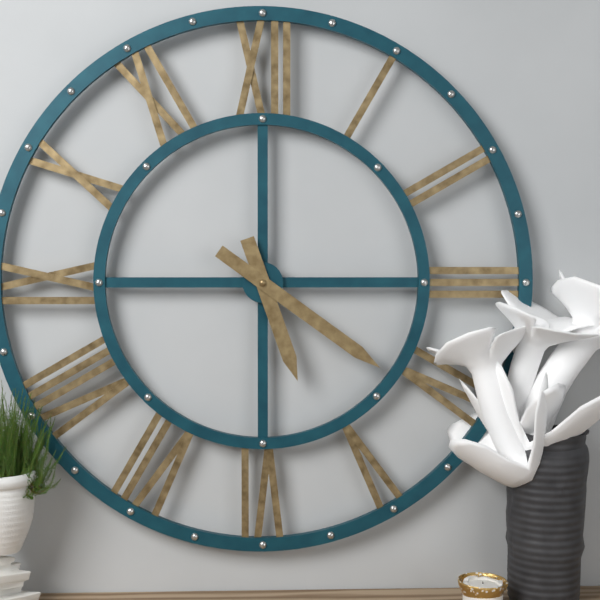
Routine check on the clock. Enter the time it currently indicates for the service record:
5:21
